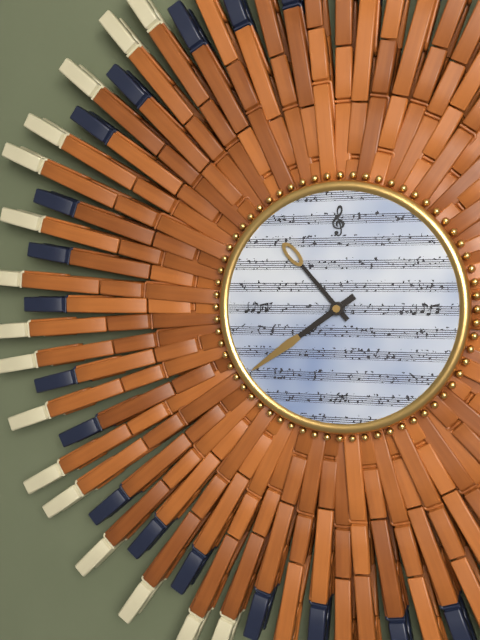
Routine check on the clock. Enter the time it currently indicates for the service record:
10:39
